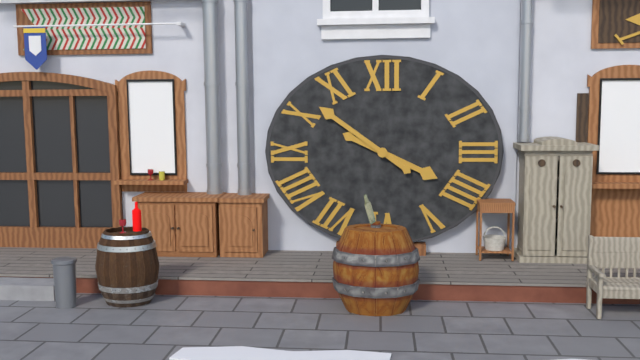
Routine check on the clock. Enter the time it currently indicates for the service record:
3:51
